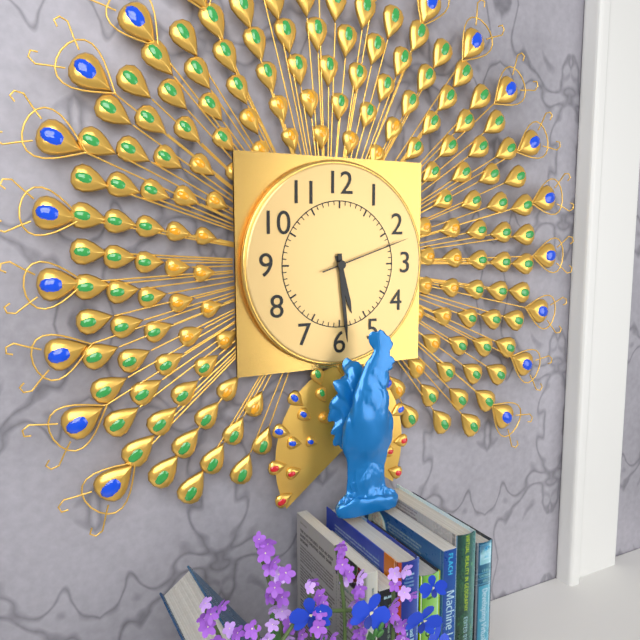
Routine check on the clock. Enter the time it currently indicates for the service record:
5:29:12
